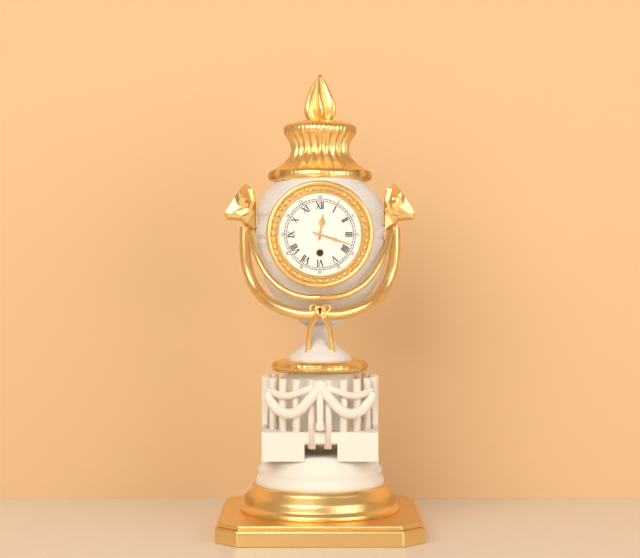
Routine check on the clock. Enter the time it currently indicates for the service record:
12:18
